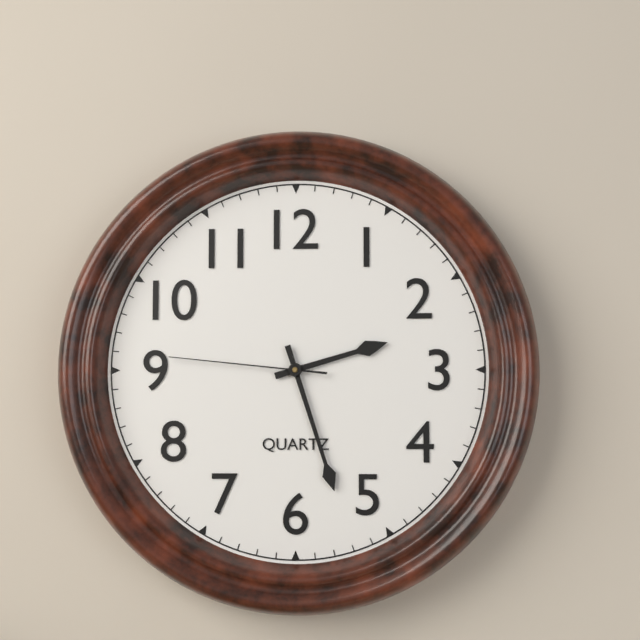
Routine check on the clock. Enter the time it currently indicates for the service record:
2:27:46
